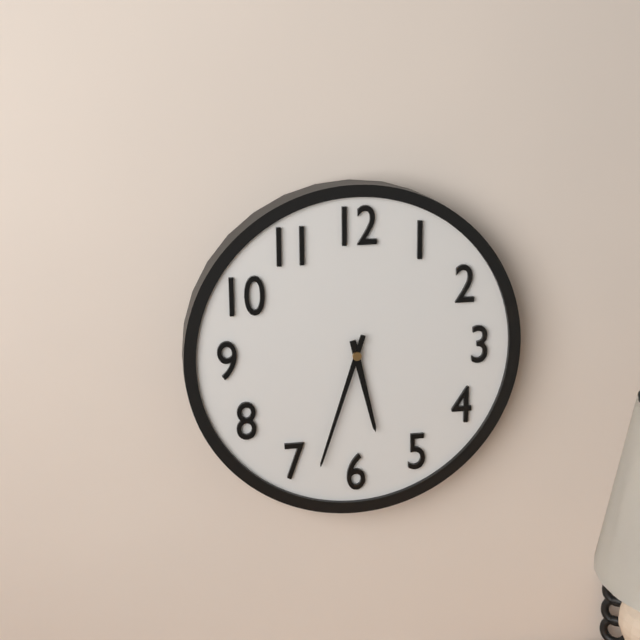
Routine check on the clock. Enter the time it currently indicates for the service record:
5:33
